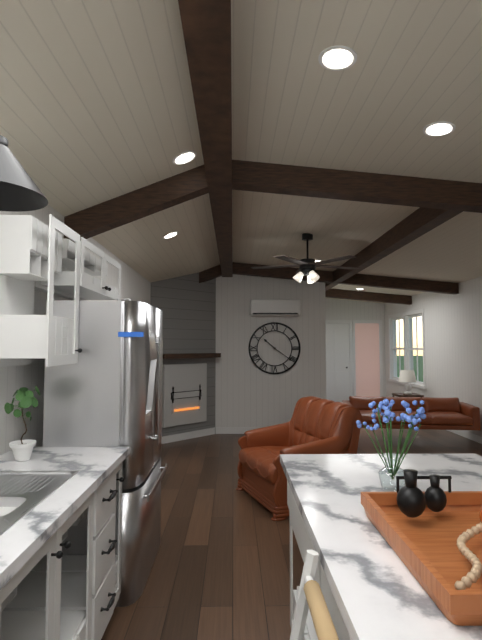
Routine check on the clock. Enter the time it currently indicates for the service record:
10:21
